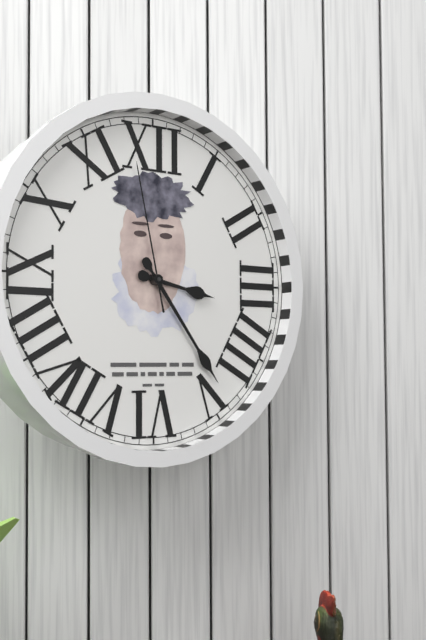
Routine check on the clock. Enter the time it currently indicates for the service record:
3:24:58
